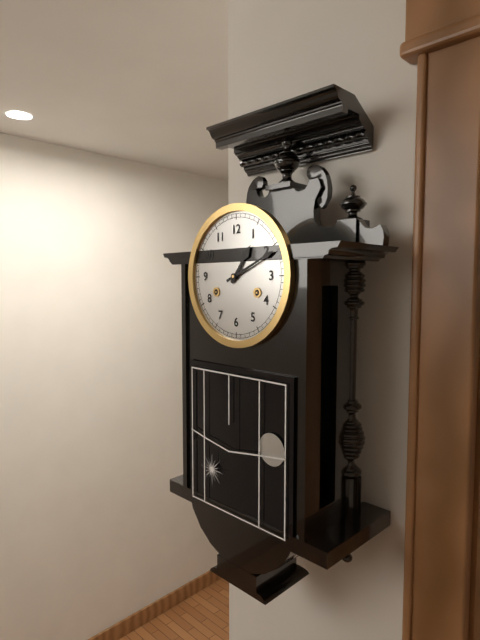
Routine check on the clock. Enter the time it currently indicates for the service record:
1:11
